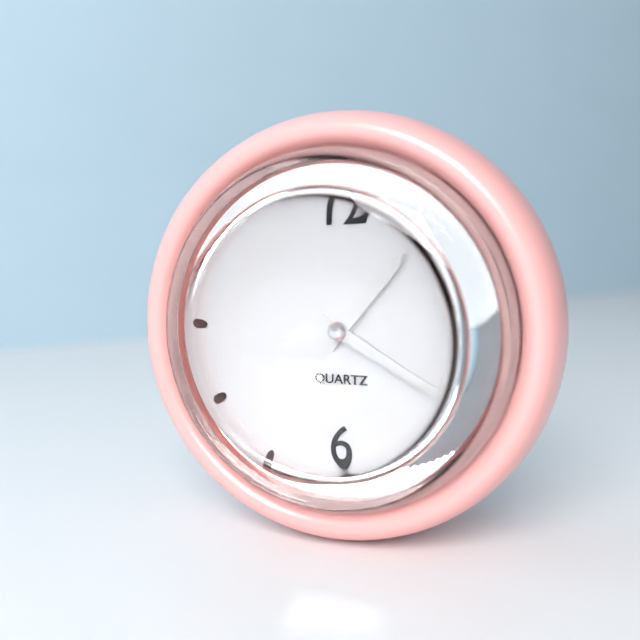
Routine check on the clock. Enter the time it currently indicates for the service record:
1:20
